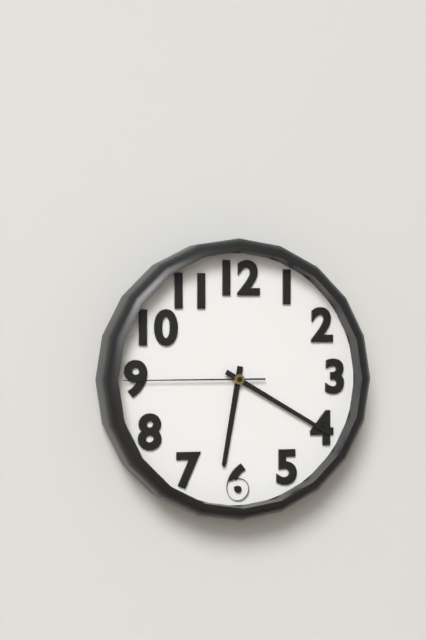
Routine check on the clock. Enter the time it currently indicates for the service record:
6:20:45
